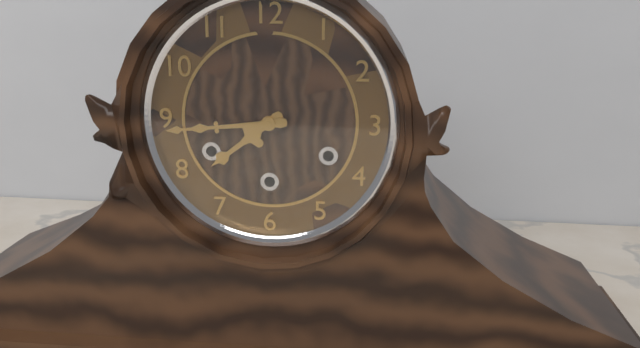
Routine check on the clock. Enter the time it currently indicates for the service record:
7:44
